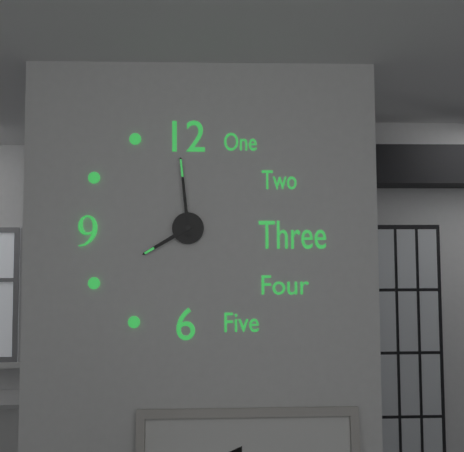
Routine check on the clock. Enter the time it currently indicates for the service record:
7:59
